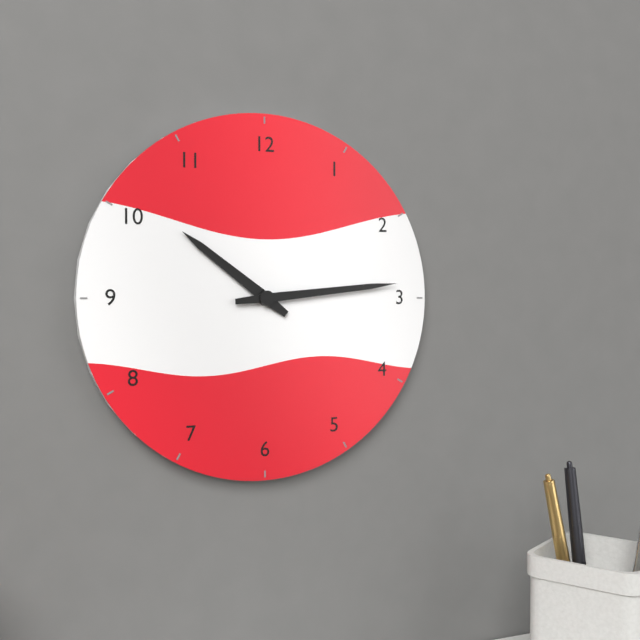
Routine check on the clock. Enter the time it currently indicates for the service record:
10:14
